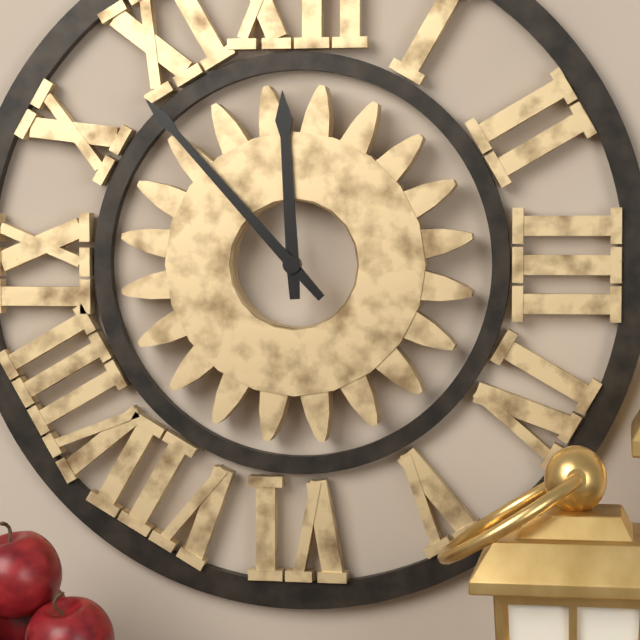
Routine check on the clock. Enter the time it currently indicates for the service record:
11:53
